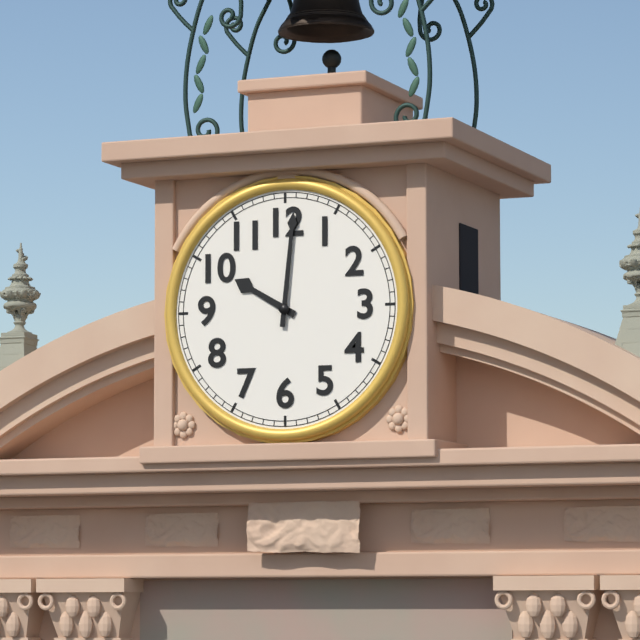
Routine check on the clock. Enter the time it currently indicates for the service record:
10:01
